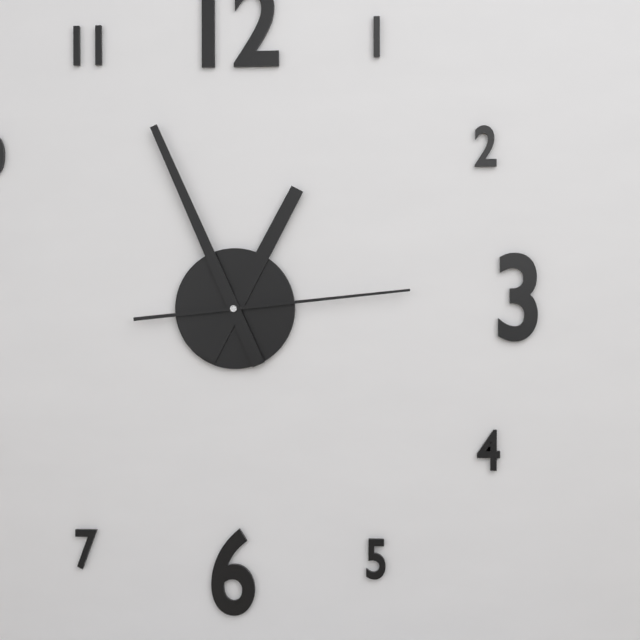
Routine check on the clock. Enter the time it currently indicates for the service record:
12:56:14
